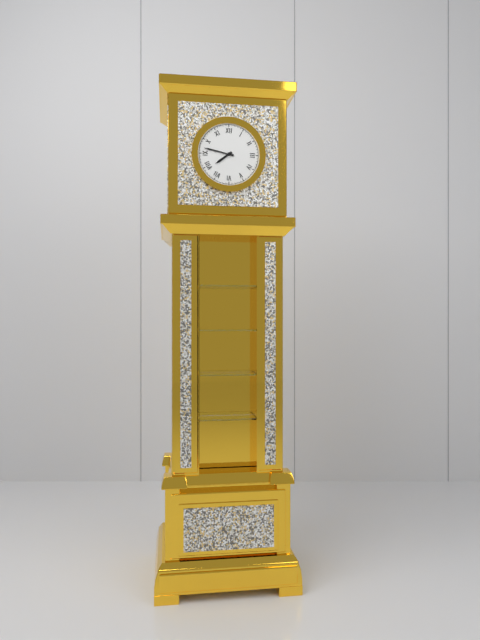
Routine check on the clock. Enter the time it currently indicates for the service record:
7:47
